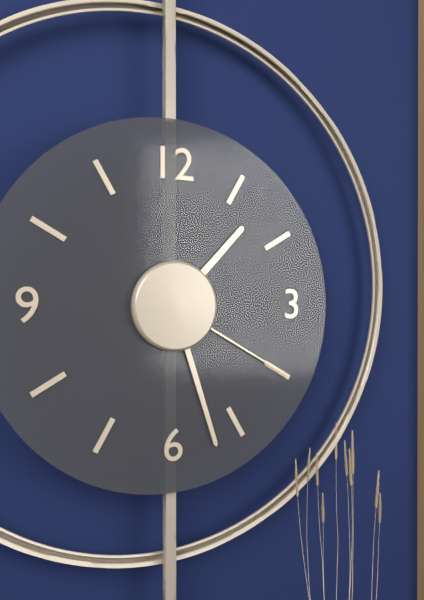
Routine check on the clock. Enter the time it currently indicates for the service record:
1:27:20
